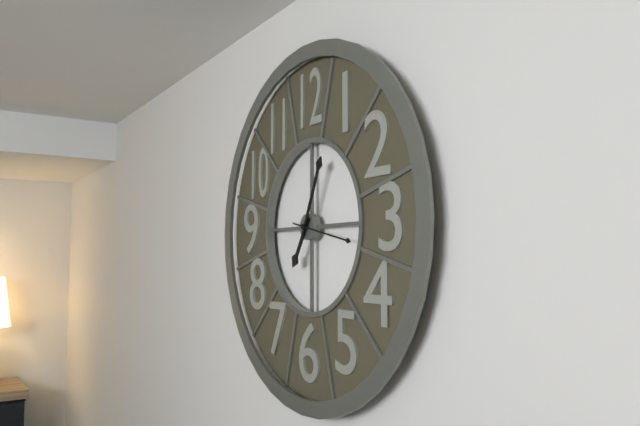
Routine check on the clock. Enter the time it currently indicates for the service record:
7:04
